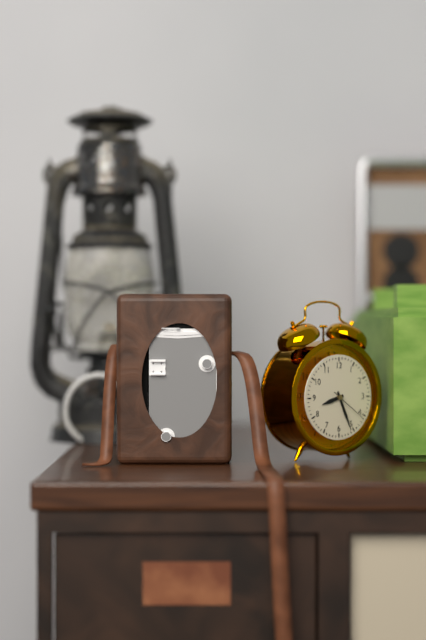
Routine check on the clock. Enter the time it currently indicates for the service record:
8:26
